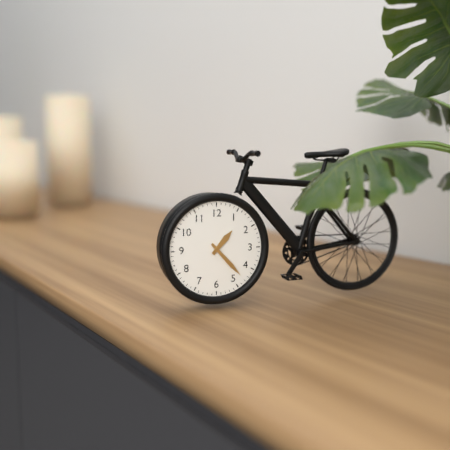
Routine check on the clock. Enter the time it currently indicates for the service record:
1:23
